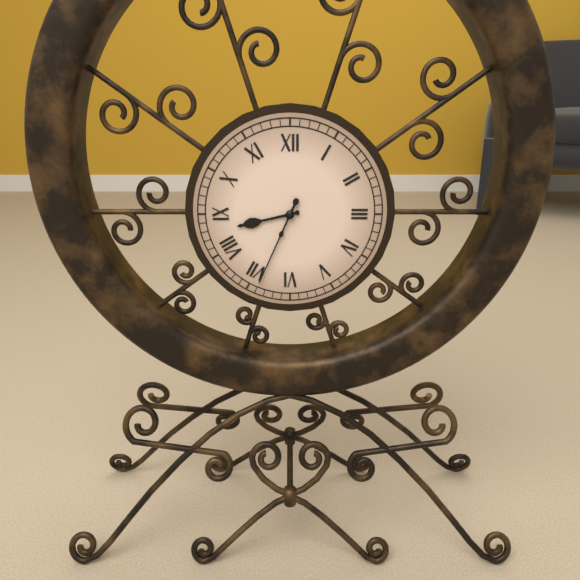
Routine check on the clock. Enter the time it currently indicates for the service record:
8:34
